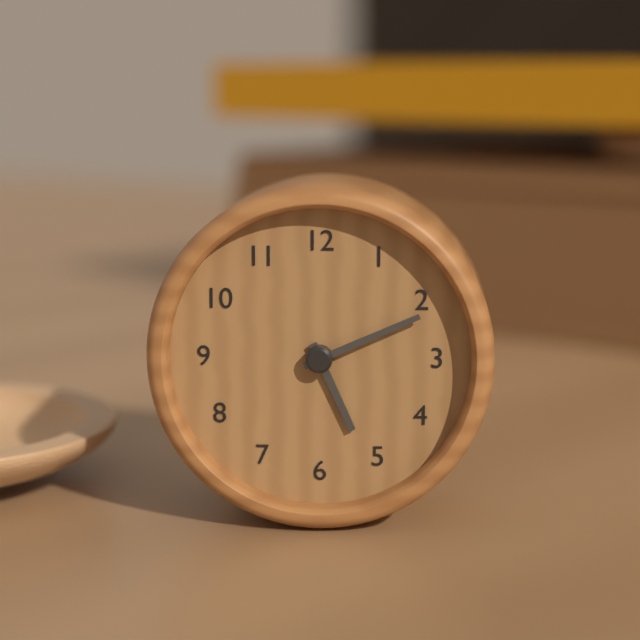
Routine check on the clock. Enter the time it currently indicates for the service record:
5:11
